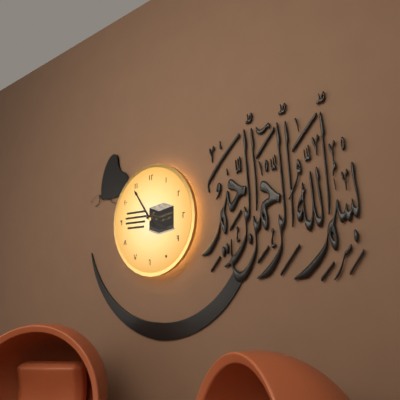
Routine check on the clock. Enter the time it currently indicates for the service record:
3:54
